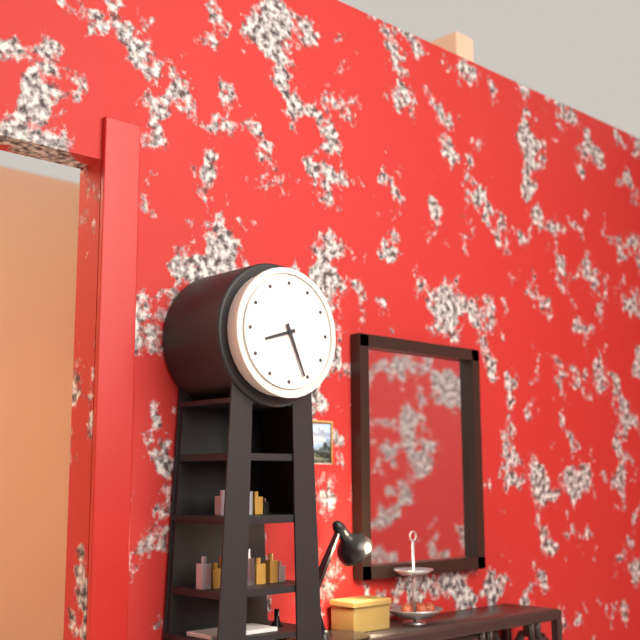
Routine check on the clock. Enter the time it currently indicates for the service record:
8:26
